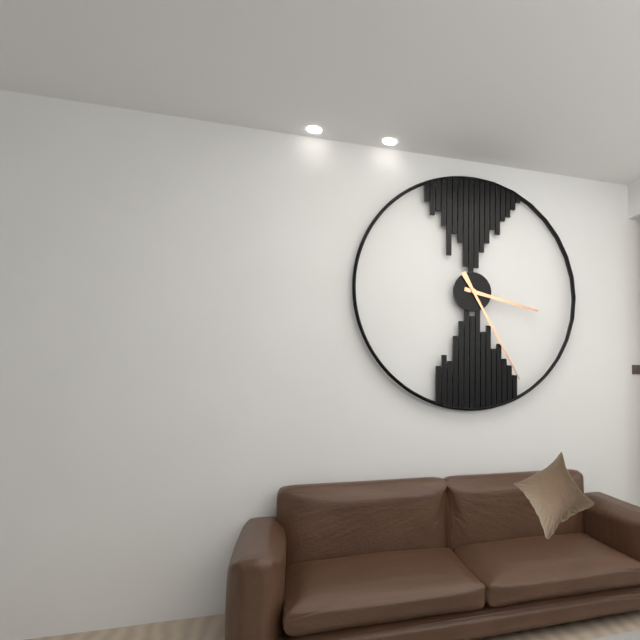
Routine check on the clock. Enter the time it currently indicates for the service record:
3:25
